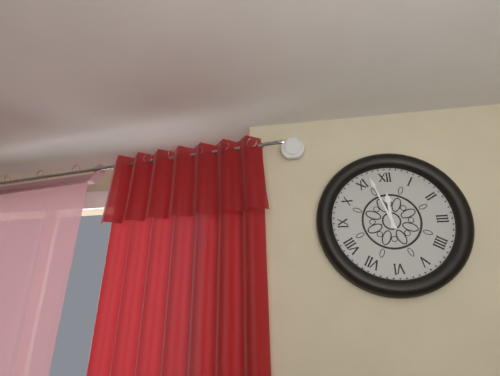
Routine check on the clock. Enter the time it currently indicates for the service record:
11:57
